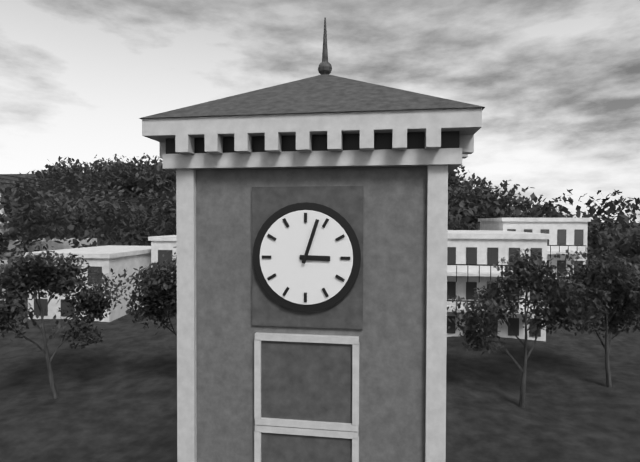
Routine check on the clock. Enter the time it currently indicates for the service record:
3:03
